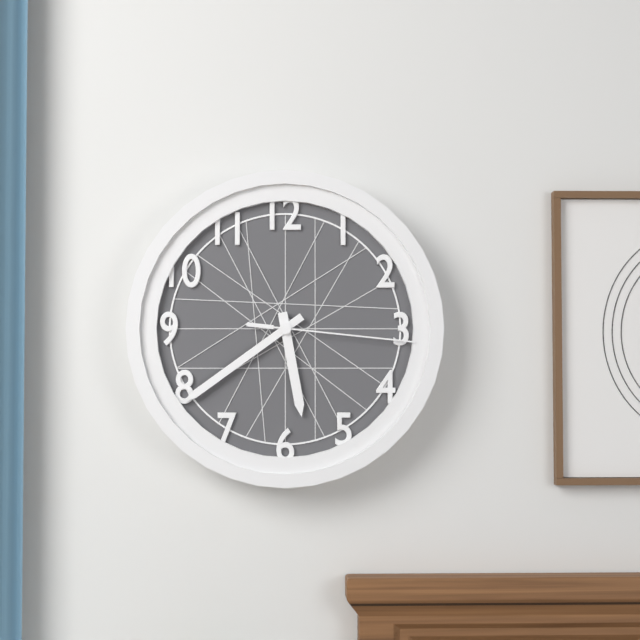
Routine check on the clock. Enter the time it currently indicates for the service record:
5:39:16
